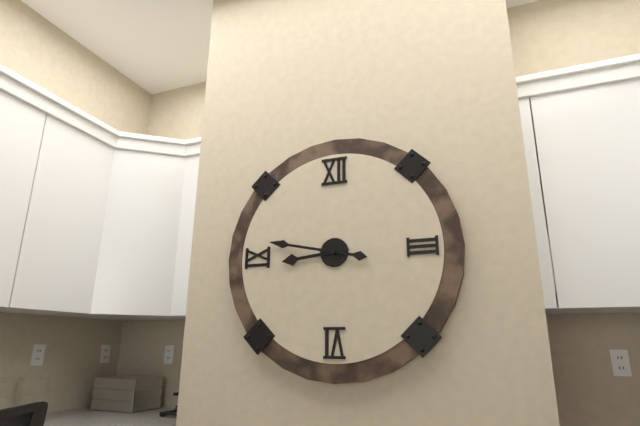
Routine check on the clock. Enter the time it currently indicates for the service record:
8:47
